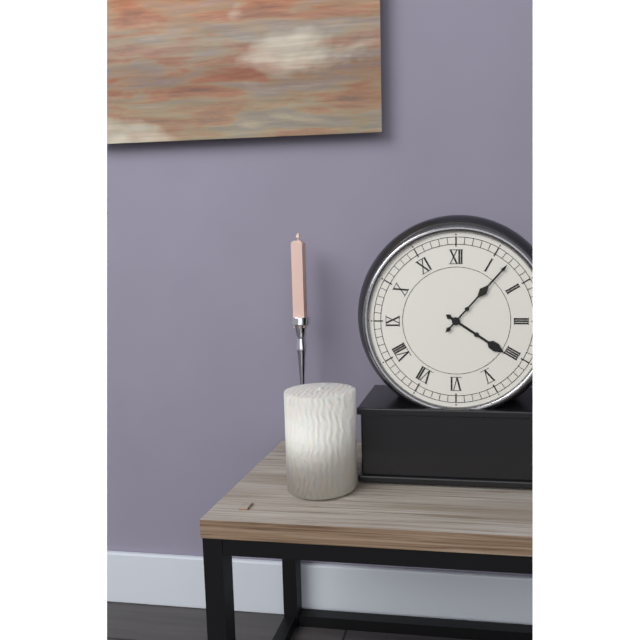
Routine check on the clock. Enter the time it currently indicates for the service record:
4:07
